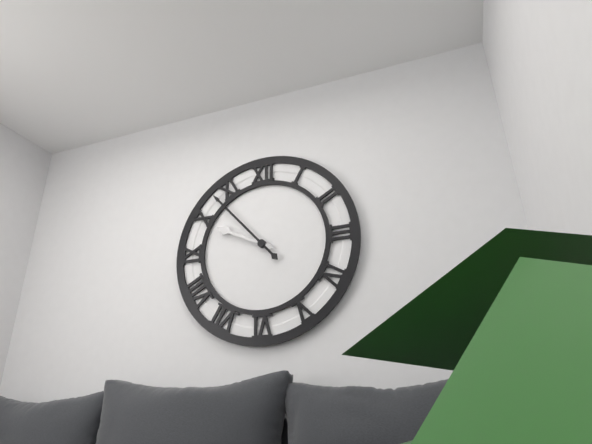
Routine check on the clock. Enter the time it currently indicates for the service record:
9:53
